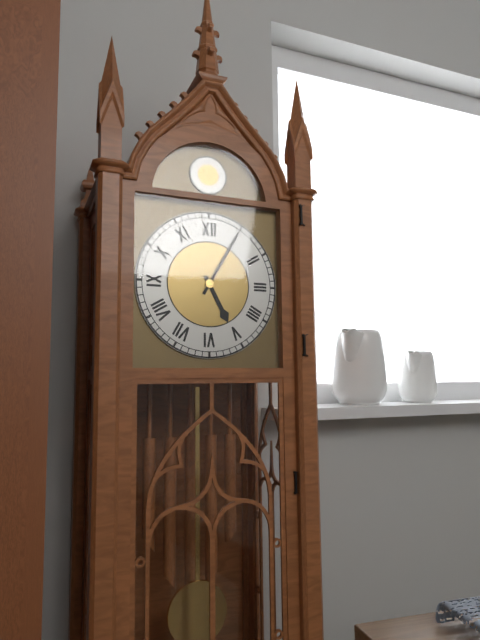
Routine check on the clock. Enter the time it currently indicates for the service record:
5:05
